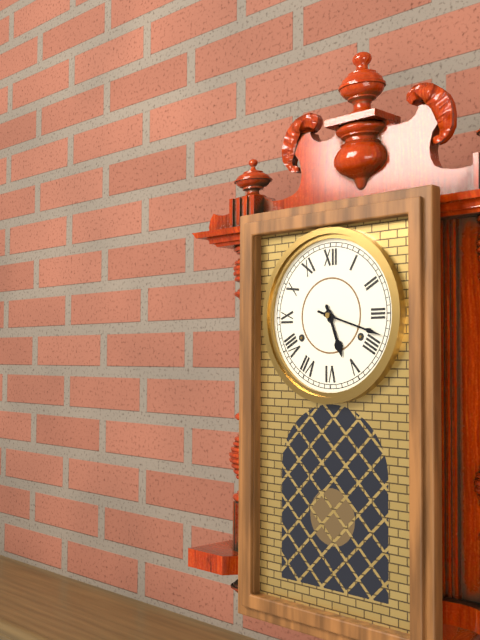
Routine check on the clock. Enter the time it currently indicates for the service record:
5:18
